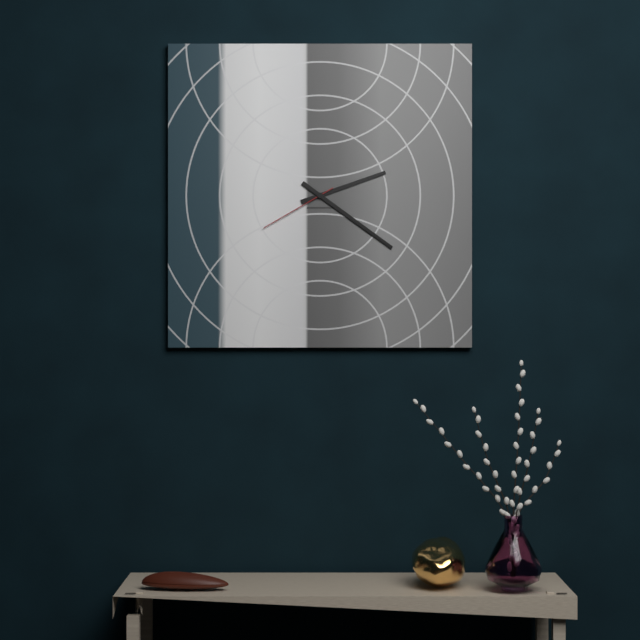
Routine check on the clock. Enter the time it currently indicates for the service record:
2:21:40
